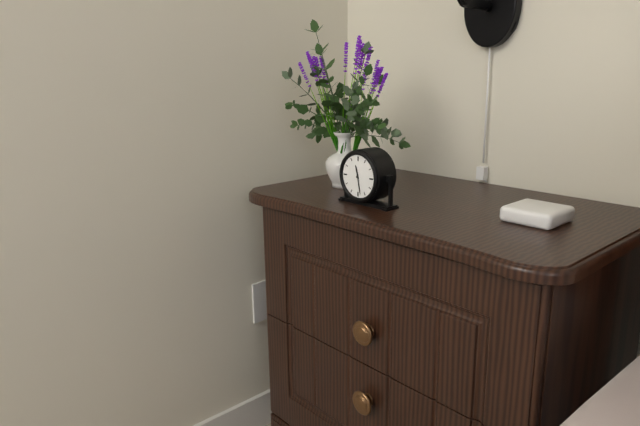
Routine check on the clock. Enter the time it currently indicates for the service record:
11:28
